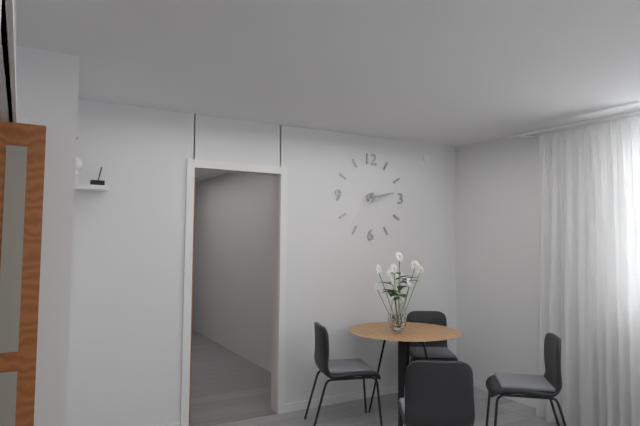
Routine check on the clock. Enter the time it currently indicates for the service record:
2:37
